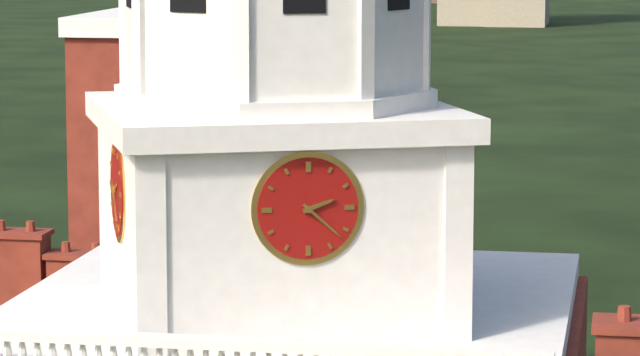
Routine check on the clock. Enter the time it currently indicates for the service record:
2:22
